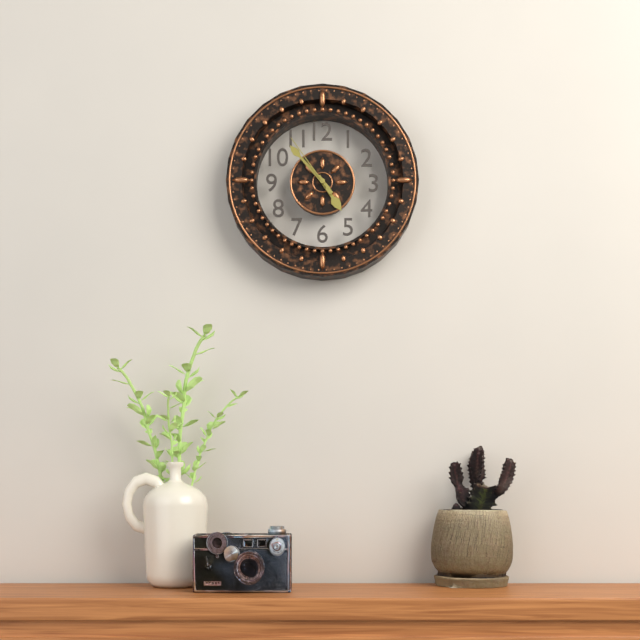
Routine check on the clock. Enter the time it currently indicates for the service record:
4:53:54
